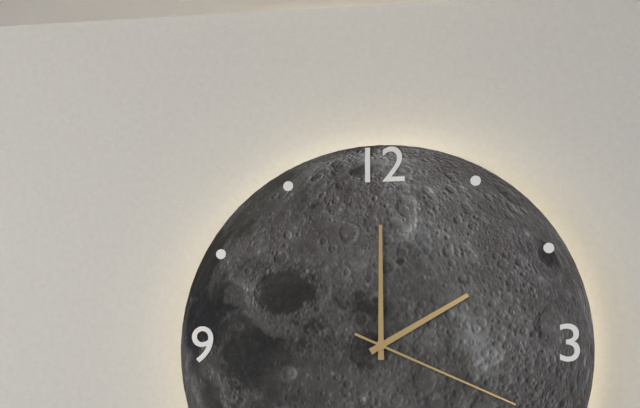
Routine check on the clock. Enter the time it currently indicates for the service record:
2:00:19
